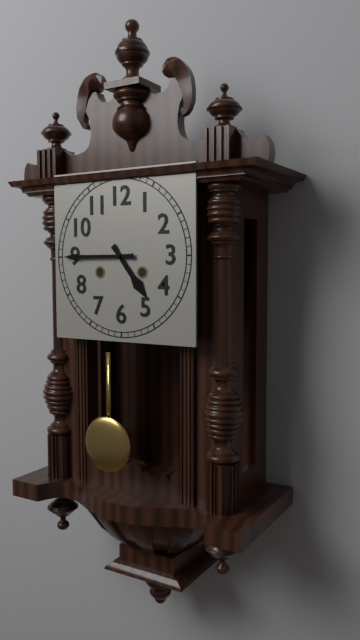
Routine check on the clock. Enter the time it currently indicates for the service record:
4:45
